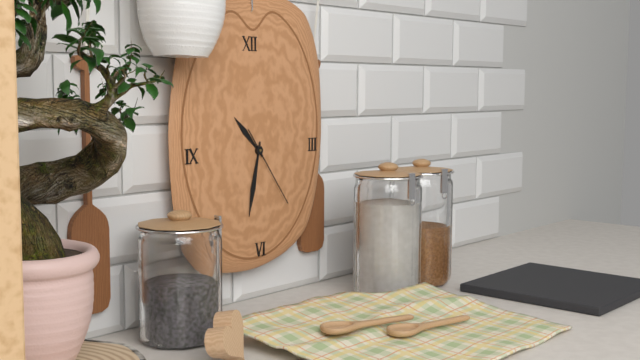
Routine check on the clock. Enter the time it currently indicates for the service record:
10:32:24
